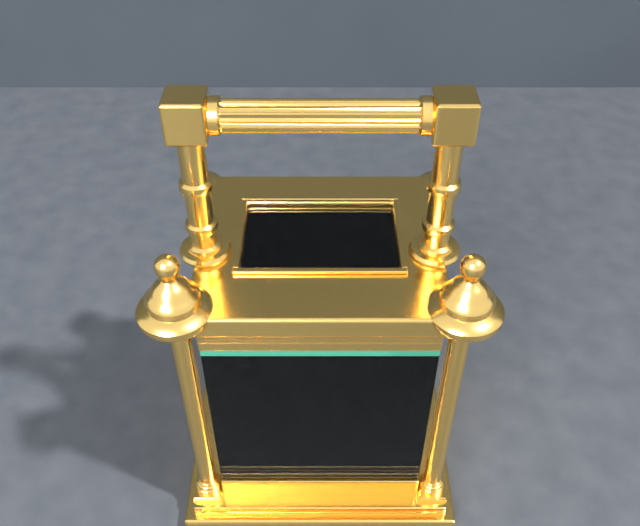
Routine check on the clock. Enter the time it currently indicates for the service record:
6:53
